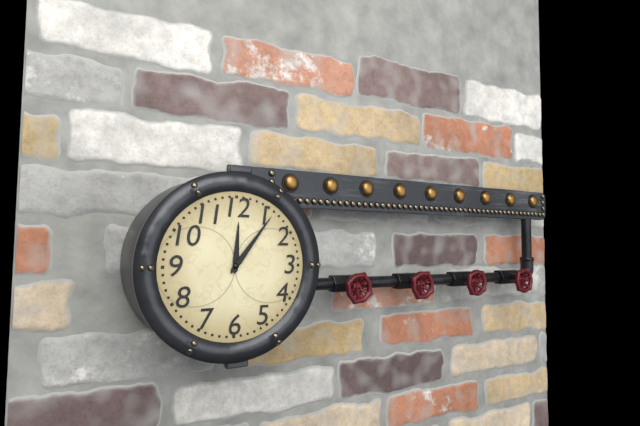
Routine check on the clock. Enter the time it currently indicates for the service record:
12:06
